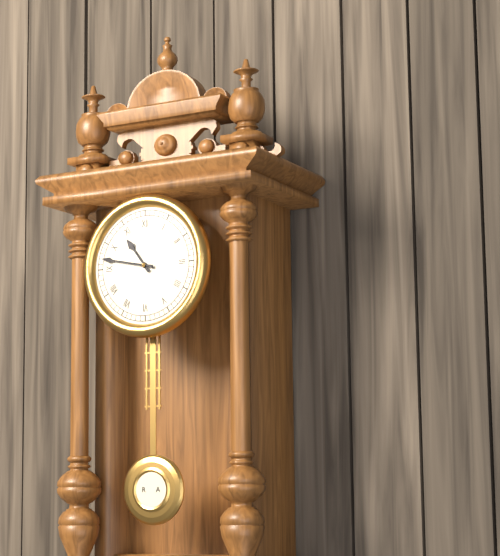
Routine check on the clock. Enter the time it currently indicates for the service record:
10:47
